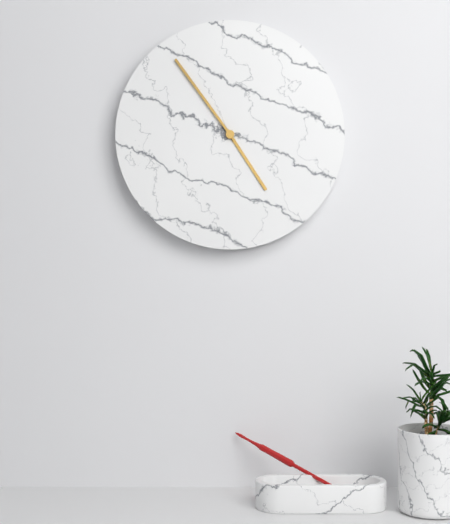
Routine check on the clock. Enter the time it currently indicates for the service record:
4:54
